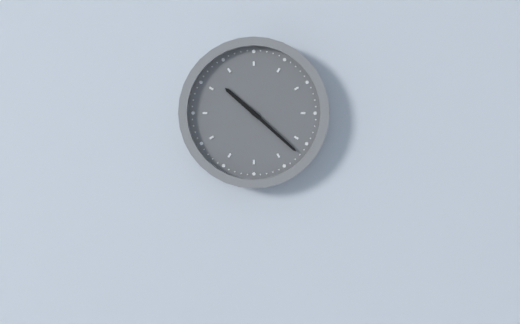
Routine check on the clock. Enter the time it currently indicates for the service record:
10:22
